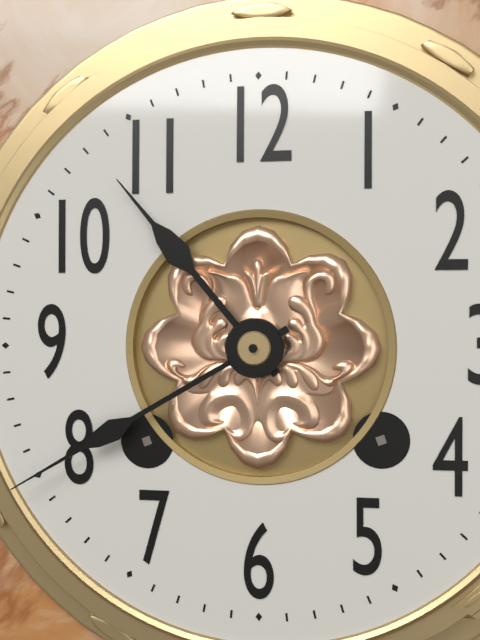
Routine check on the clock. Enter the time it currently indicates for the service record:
10:40
